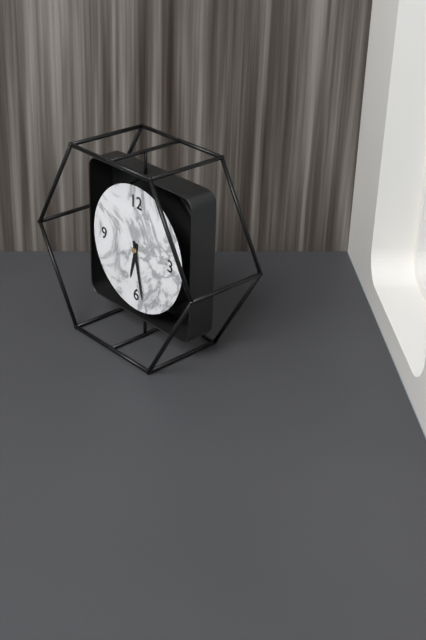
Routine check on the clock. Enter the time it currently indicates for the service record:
6:28
